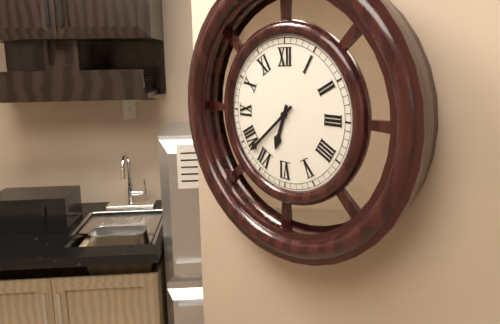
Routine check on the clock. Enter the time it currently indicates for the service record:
6:38
